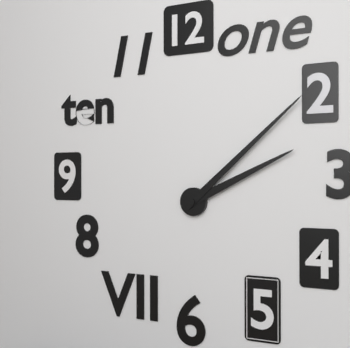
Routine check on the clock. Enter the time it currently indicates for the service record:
2:08
